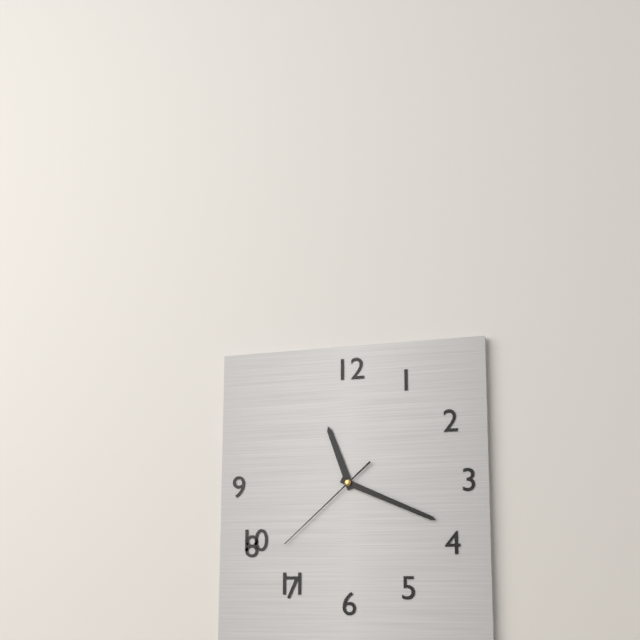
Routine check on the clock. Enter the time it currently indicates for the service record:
11:19:38
